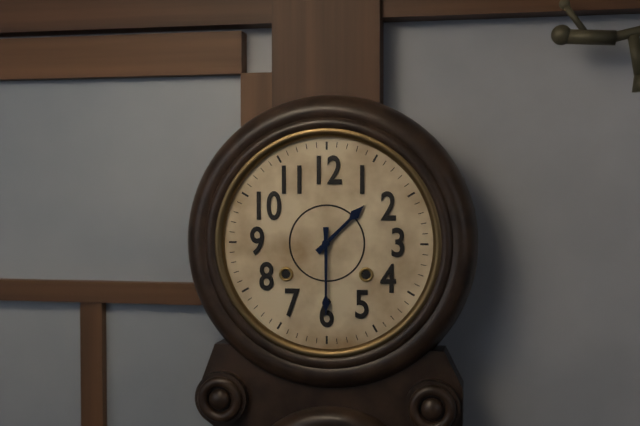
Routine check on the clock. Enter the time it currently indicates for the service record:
1:30
